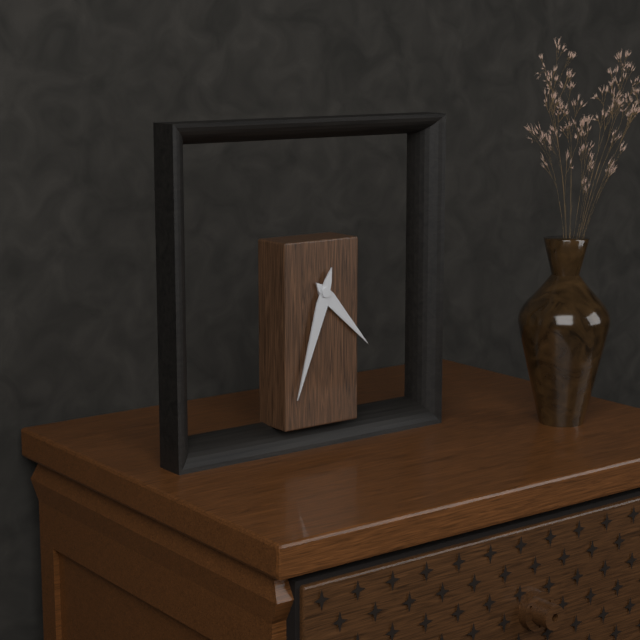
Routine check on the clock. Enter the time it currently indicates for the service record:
4:33
